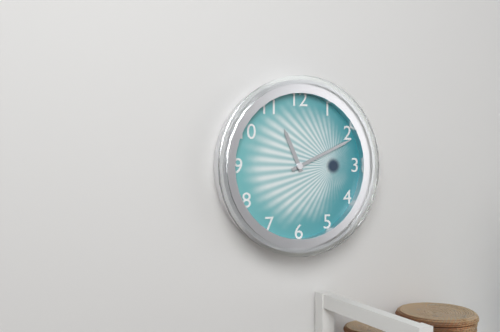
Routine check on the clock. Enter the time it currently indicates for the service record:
11:11
